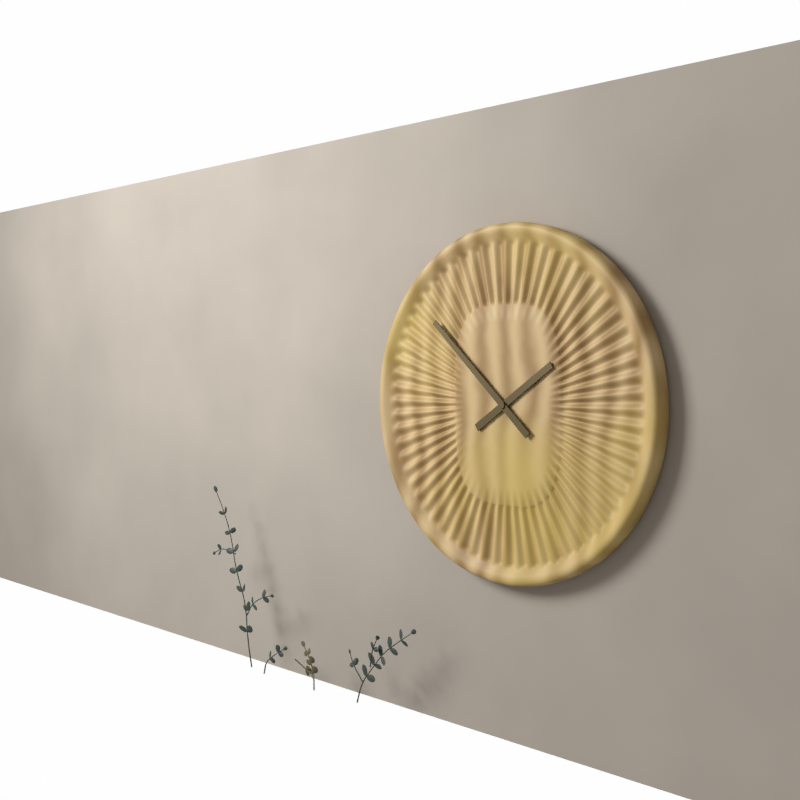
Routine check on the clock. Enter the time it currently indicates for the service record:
1:52
